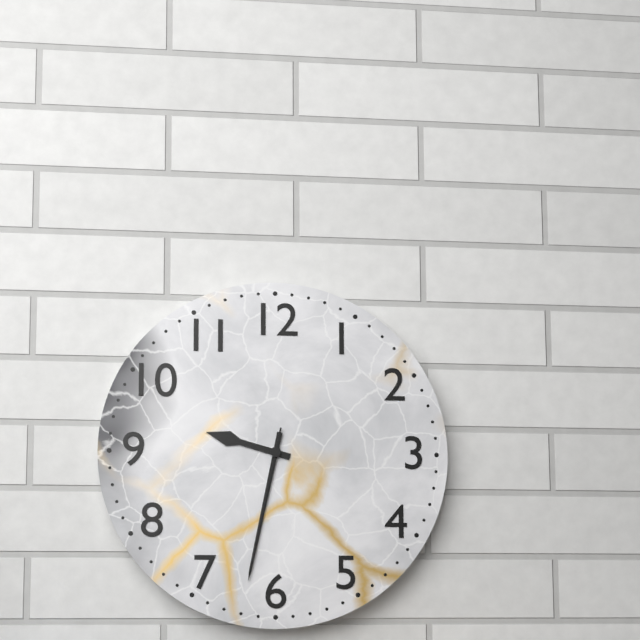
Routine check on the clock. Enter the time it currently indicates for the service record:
9:32:32
